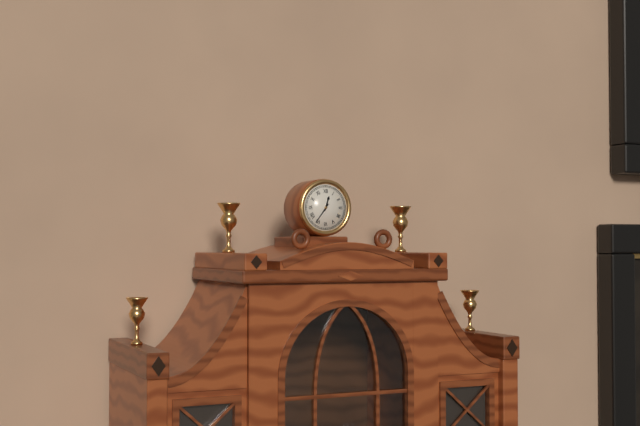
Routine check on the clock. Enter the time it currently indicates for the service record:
12:36
